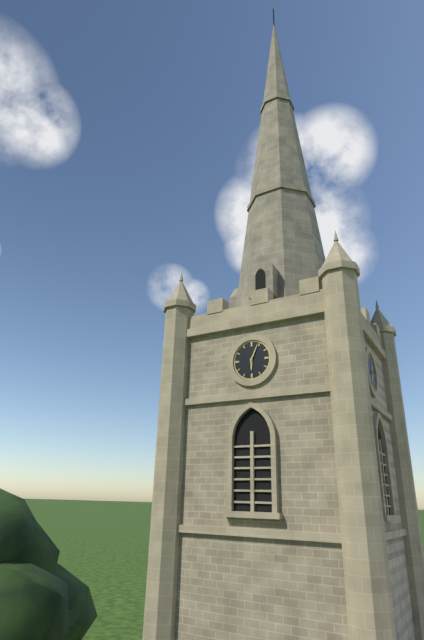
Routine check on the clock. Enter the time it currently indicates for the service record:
6:04
